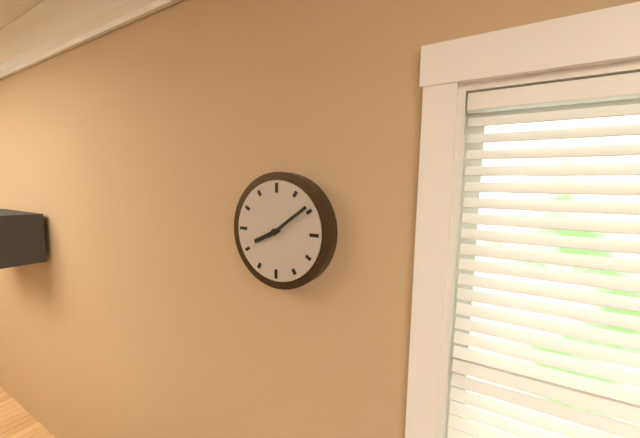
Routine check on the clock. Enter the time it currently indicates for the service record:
8:09
